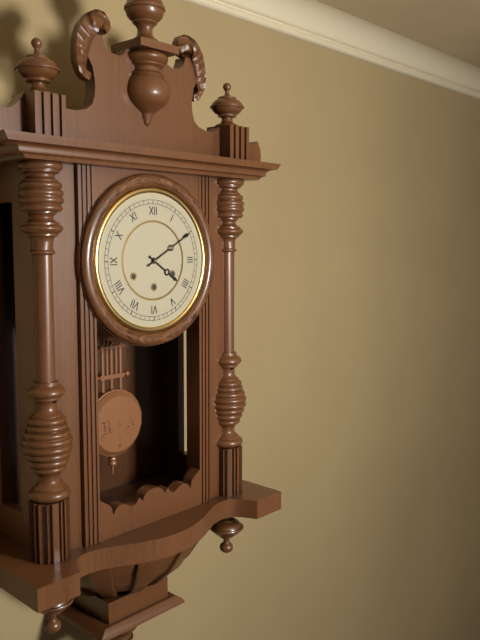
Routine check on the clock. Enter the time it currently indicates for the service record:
4:10
